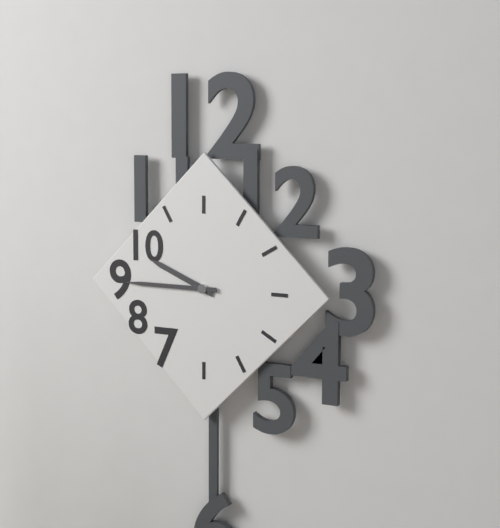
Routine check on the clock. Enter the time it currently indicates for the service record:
9:45
